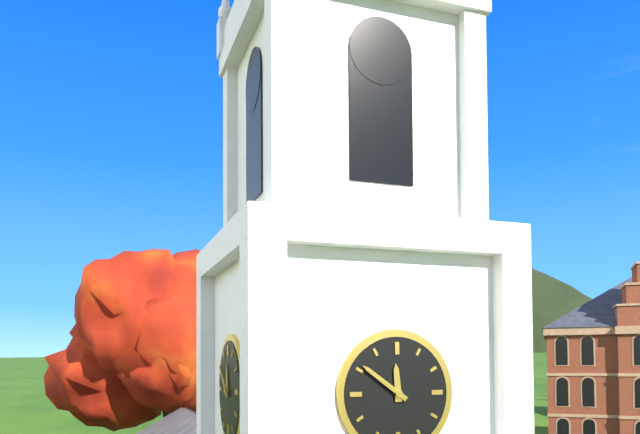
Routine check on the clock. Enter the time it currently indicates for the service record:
11:51
